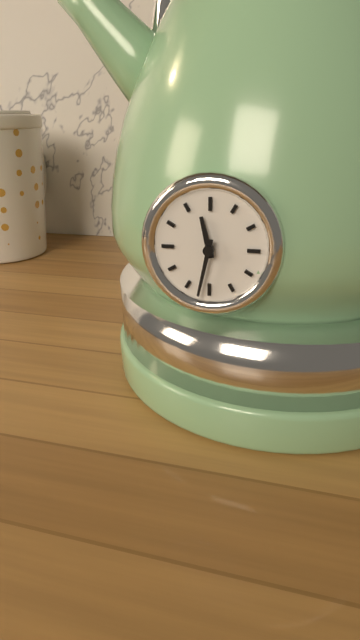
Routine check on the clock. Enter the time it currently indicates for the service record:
11:32
